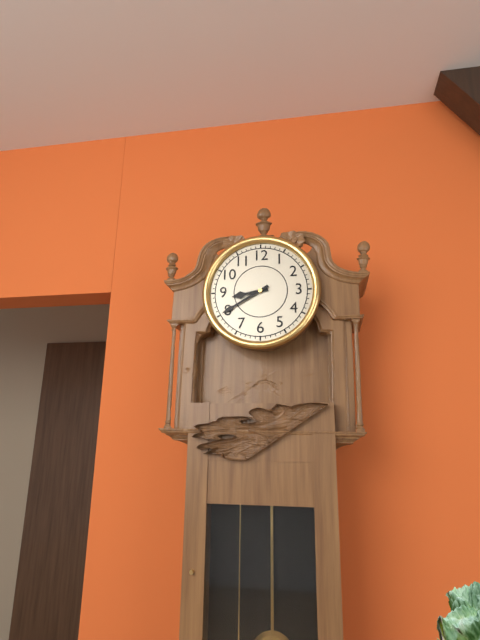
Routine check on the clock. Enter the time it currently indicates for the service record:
8:40
